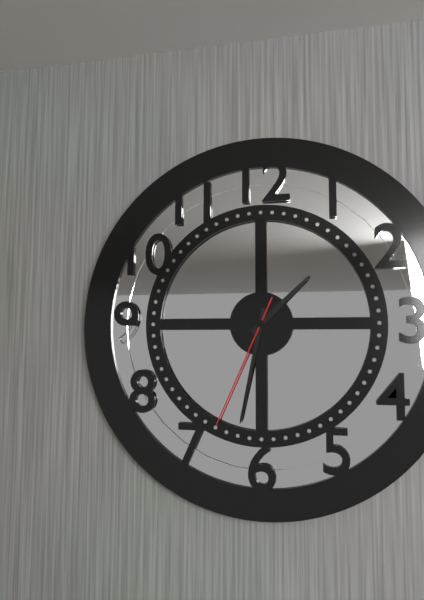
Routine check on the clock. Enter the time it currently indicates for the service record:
1:32:34
